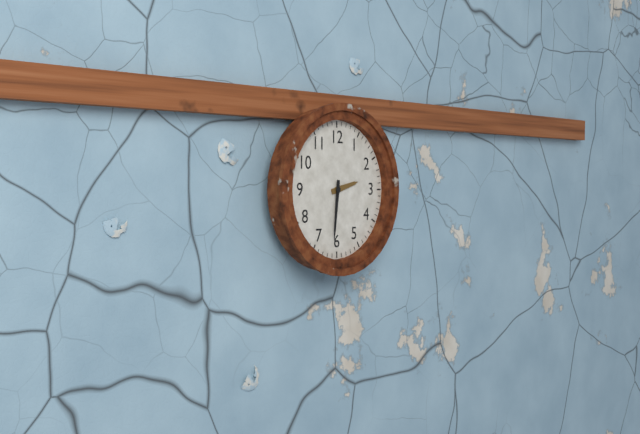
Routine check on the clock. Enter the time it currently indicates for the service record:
2:31
